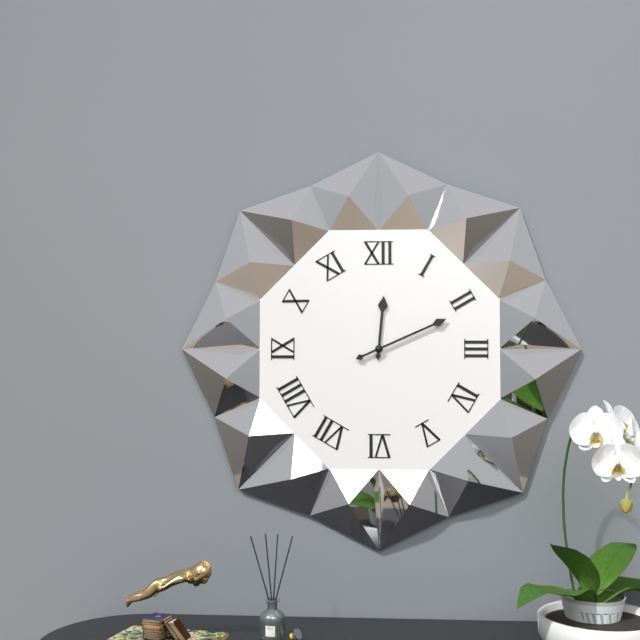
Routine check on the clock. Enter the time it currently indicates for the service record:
12:11
